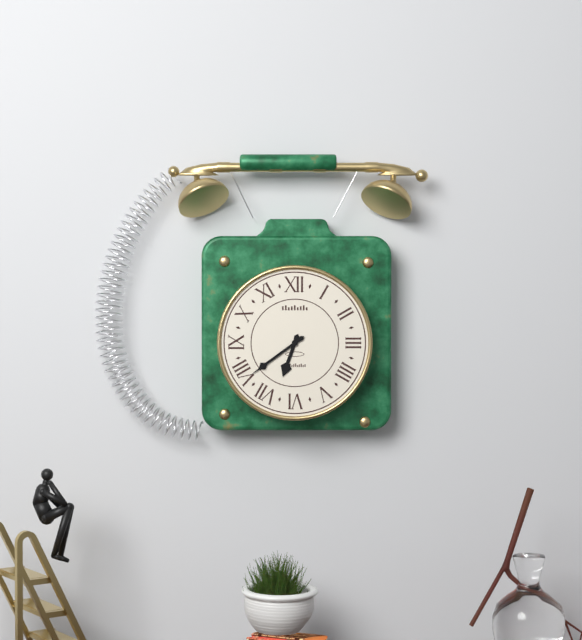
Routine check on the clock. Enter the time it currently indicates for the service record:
6:39
